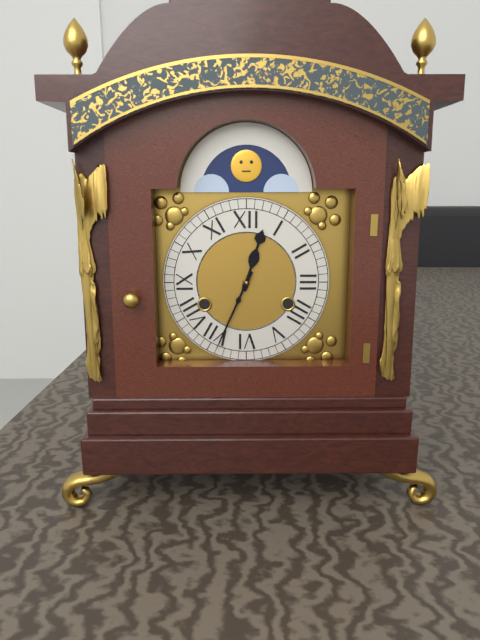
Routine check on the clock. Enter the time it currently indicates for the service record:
12:34
